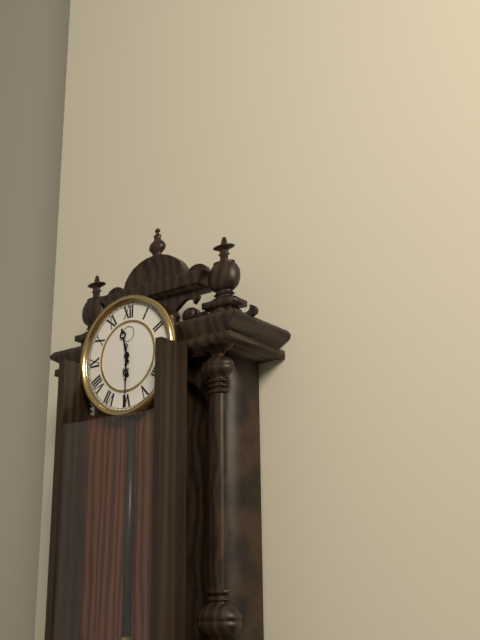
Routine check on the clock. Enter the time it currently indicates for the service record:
11:30
